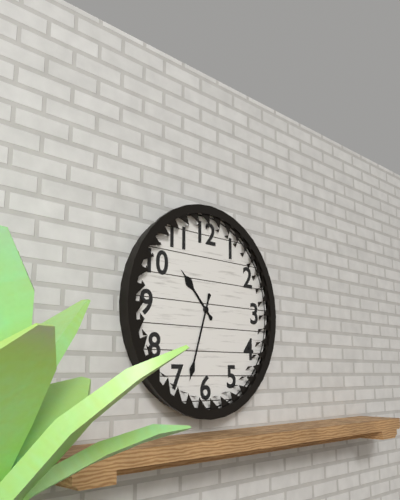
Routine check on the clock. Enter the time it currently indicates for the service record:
10:33
